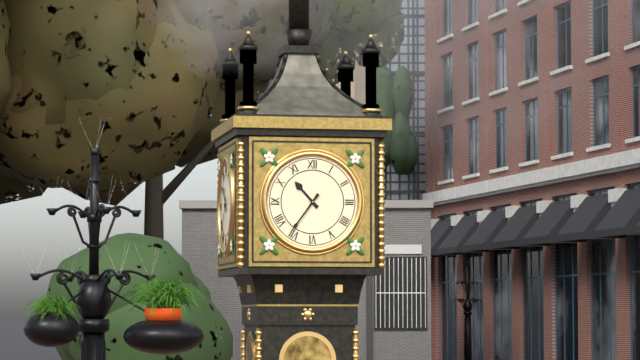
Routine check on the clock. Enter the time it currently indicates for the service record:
10:36
